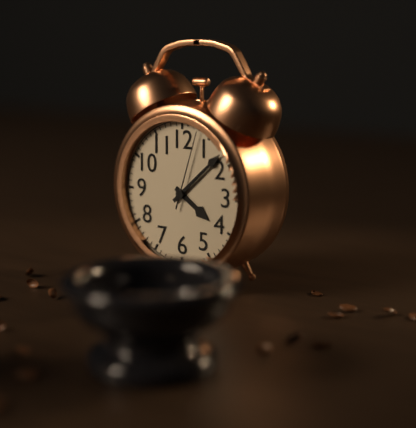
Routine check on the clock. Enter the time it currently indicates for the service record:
4:08:03
